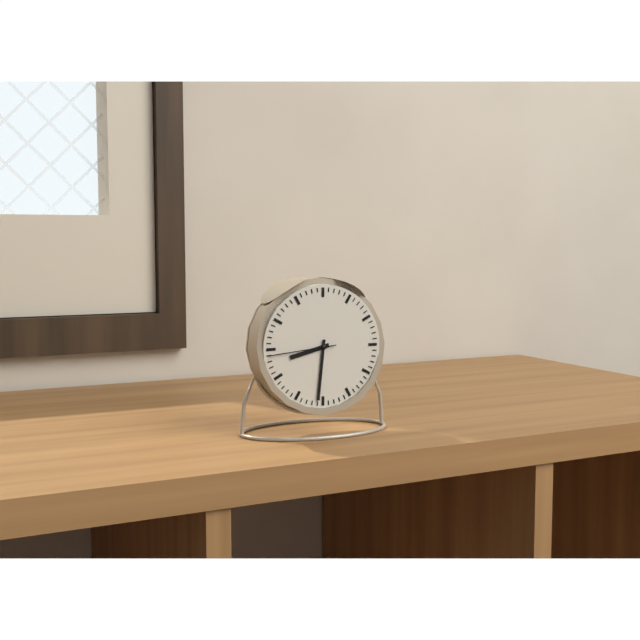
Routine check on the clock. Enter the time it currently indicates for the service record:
8:31:44
